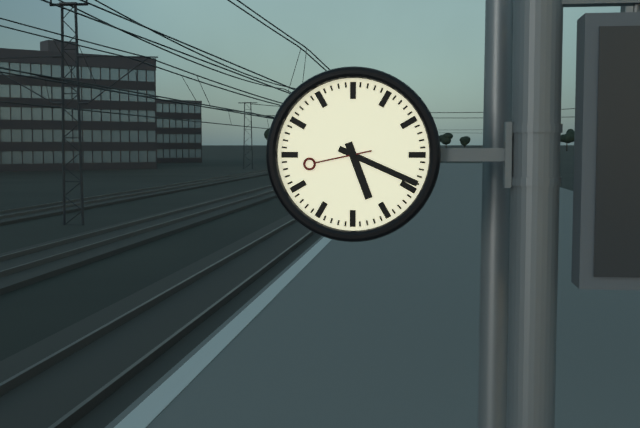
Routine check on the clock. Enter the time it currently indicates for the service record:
5:19:43
